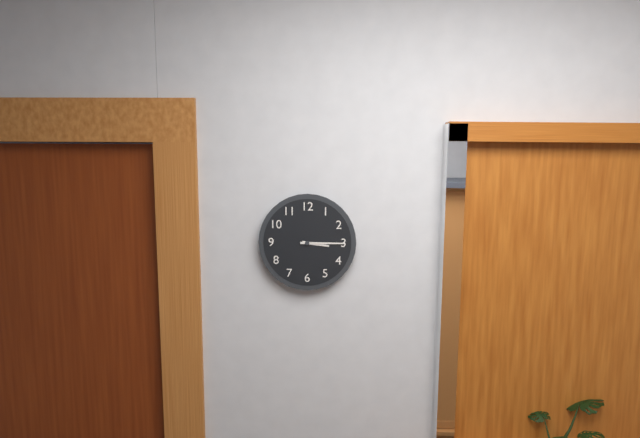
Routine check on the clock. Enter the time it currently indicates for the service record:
3:15
